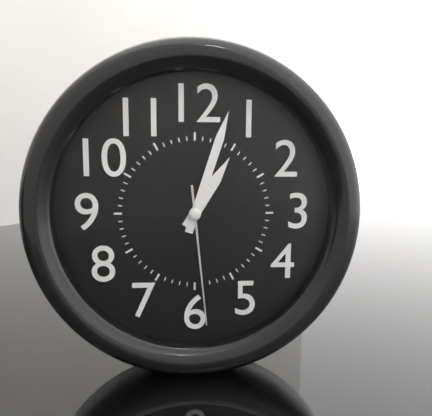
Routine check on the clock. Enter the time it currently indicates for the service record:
1:03:29
